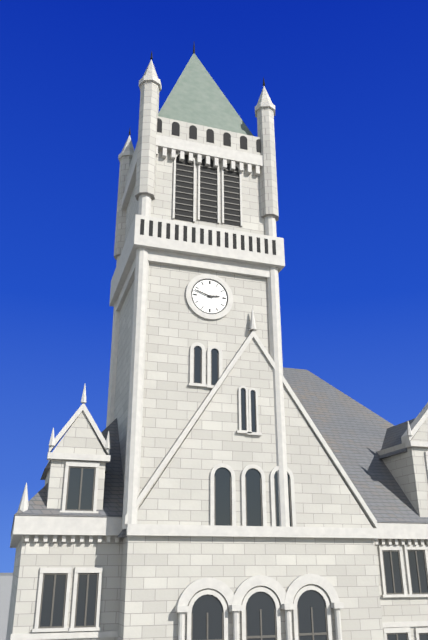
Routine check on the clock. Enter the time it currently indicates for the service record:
2:48
